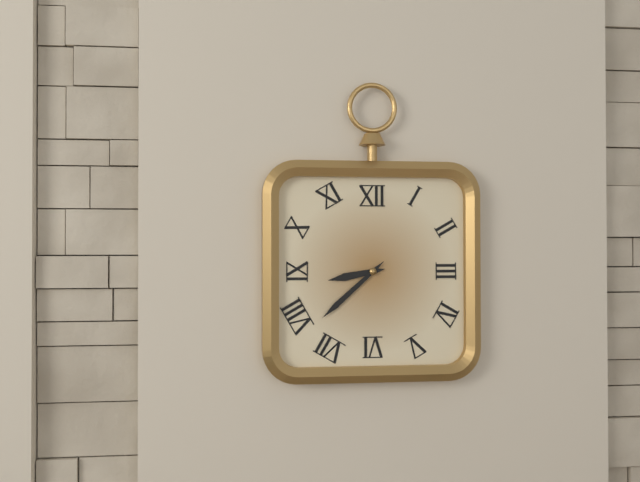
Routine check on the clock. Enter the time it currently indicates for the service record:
8:38
